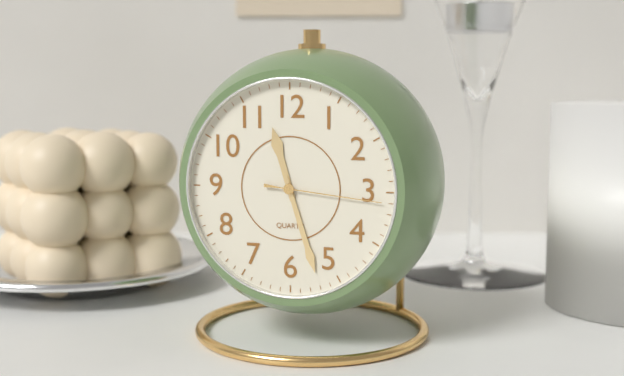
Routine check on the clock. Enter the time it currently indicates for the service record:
11:27:16
